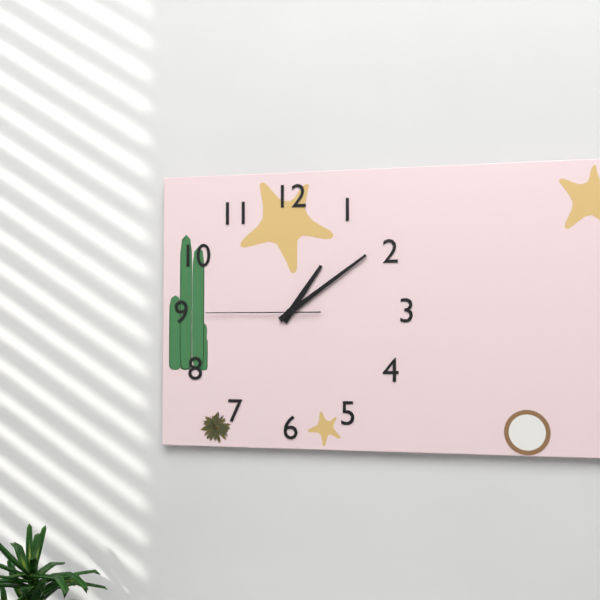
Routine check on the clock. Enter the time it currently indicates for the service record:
1:09:45
